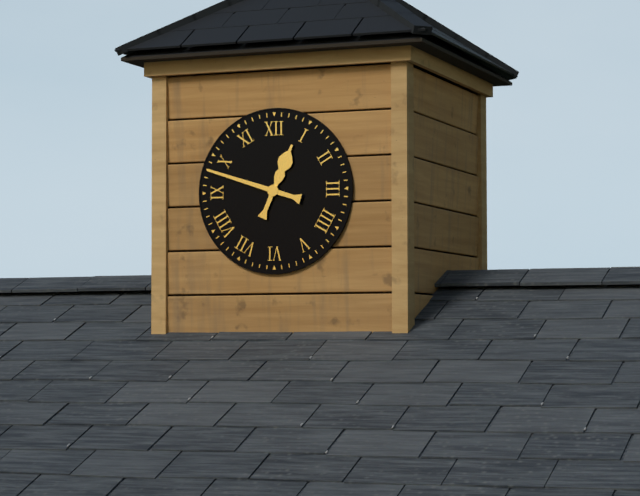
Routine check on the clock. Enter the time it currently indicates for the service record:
12:48
